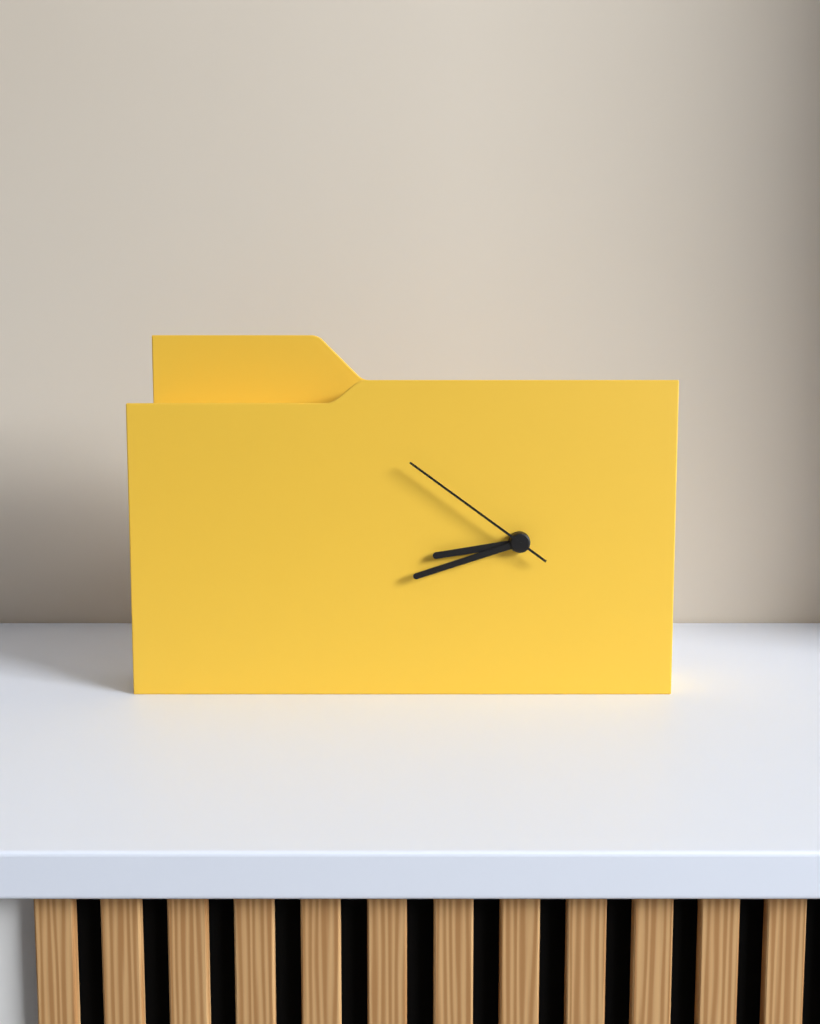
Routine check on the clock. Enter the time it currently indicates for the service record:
8:42:51
